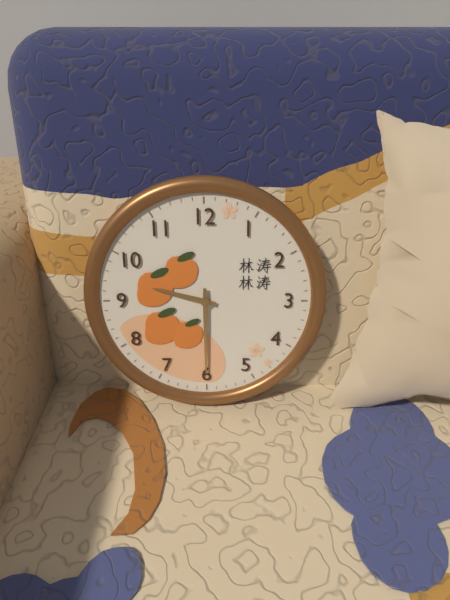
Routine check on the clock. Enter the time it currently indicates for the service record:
9:30
